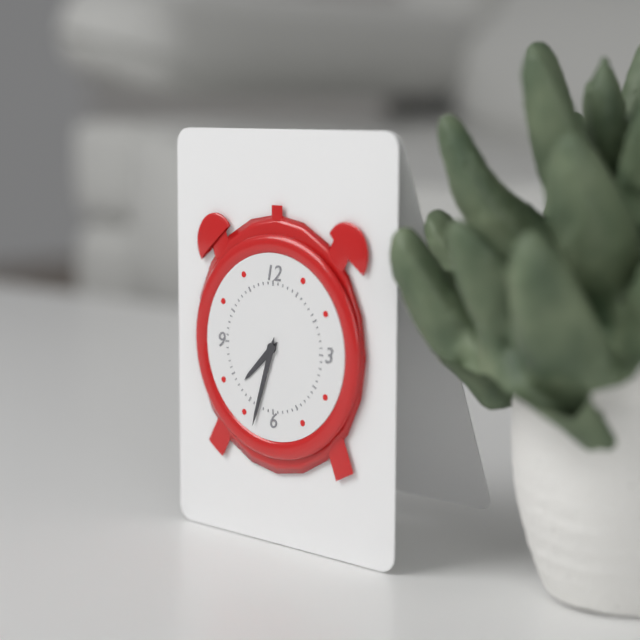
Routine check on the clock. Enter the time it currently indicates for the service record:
7:33
